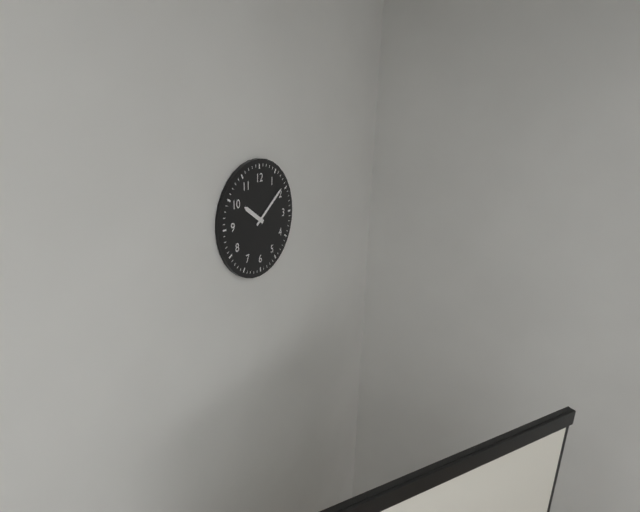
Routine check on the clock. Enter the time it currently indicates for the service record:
10:09
